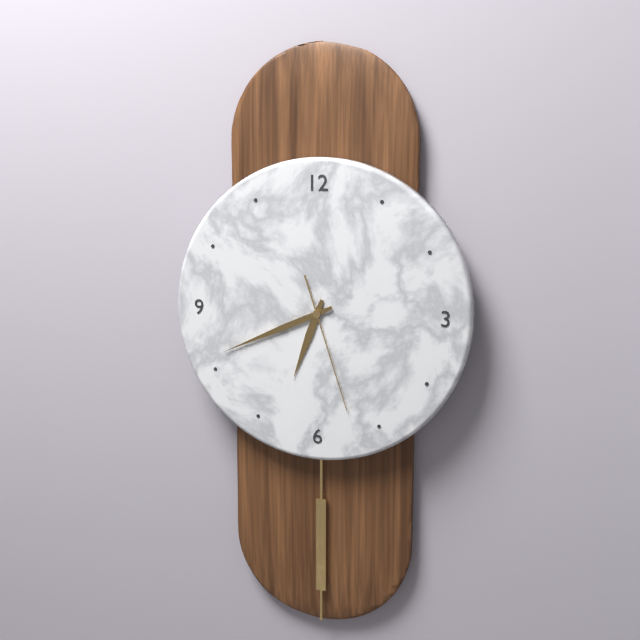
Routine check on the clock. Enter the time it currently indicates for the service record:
6:41:27
